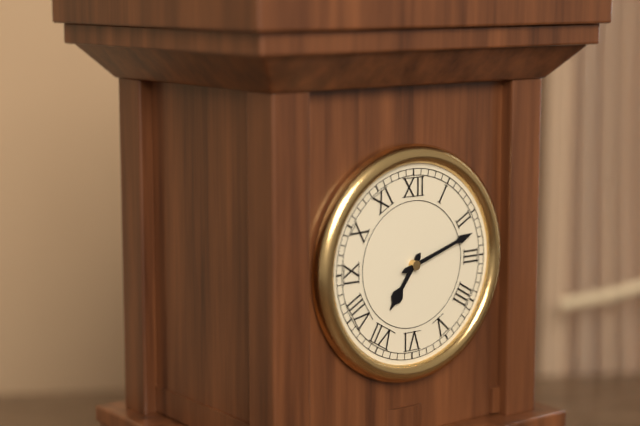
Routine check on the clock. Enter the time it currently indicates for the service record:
7:12
